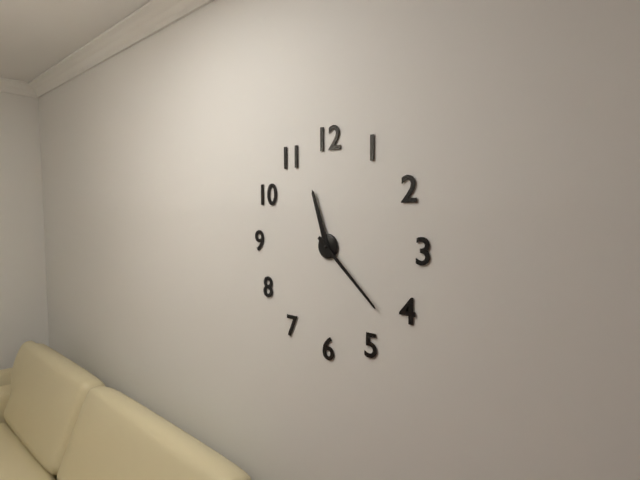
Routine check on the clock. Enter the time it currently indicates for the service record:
11:22
